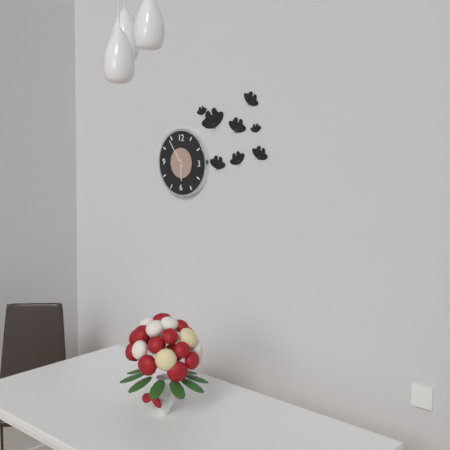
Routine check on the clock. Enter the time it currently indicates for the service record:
5:54
